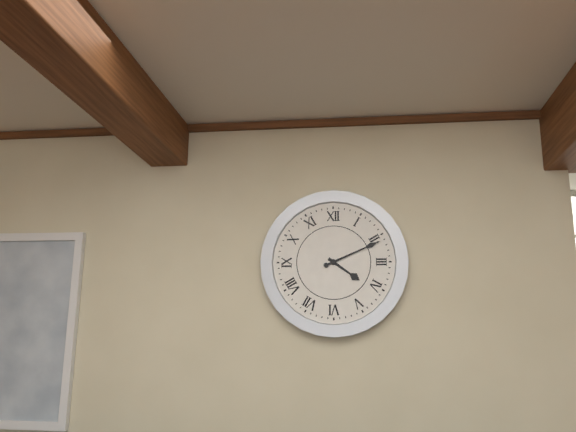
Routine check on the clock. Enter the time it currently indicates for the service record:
4:11
